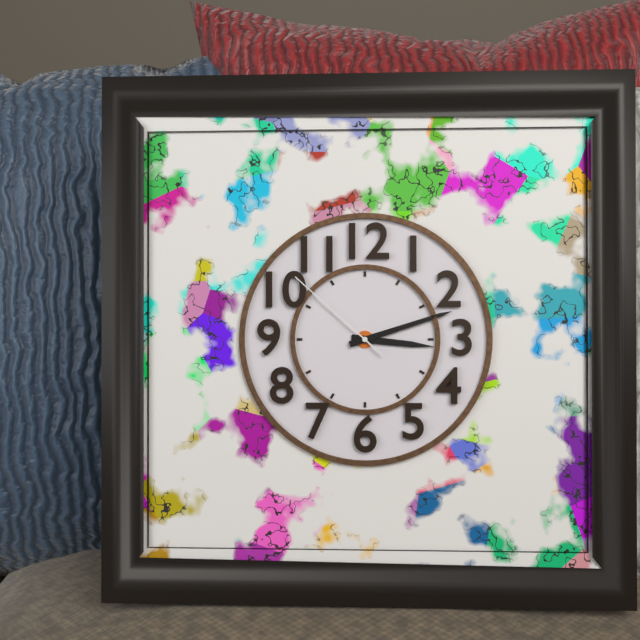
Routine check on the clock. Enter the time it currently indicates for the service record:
3:12:52
